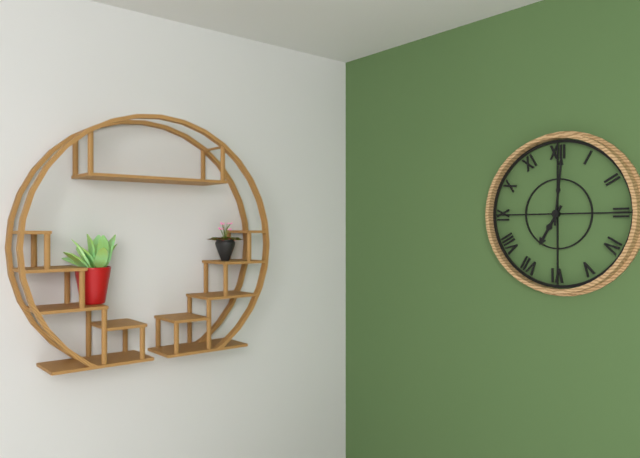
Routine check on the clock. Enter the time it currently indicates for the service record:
7:01
